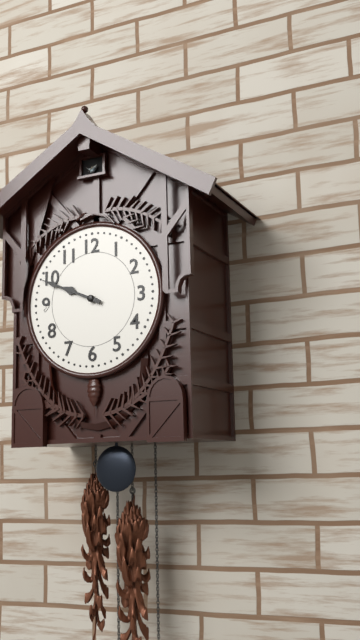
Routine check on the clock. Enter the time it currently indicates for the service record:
9:49
